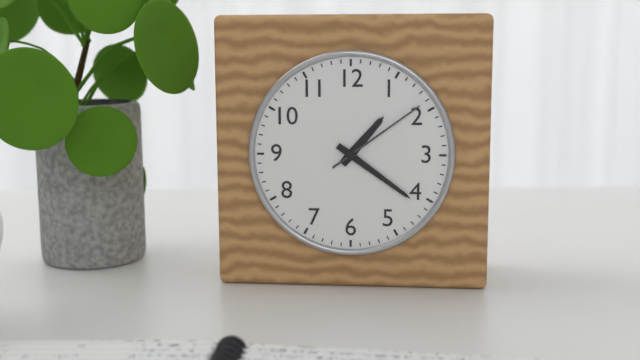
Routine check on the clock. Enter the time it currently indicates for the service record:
1:21:09
